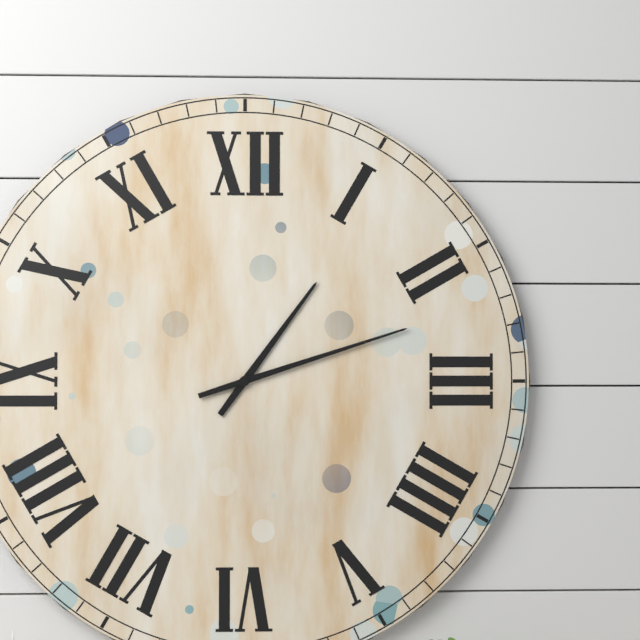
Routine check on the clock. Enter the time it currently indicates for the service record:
1:12
